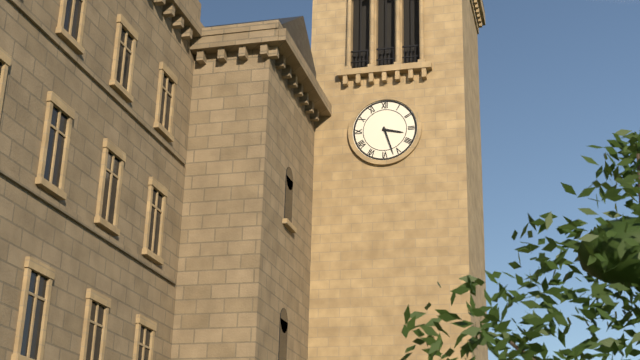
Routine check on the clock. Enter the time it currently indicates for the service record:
3:27
